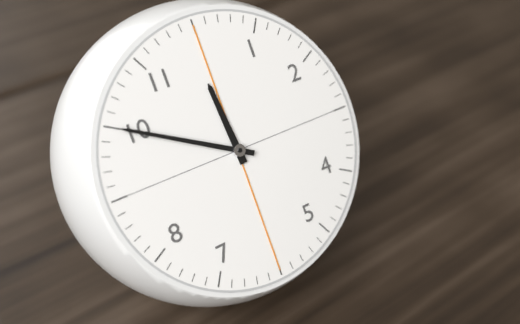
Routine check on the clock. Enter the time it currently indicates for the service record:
11:50
